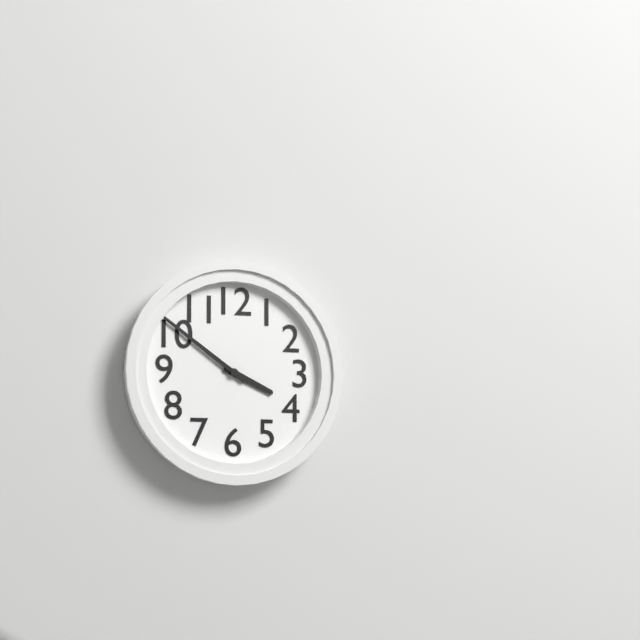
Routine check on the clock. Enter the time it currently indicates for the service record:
3:51
